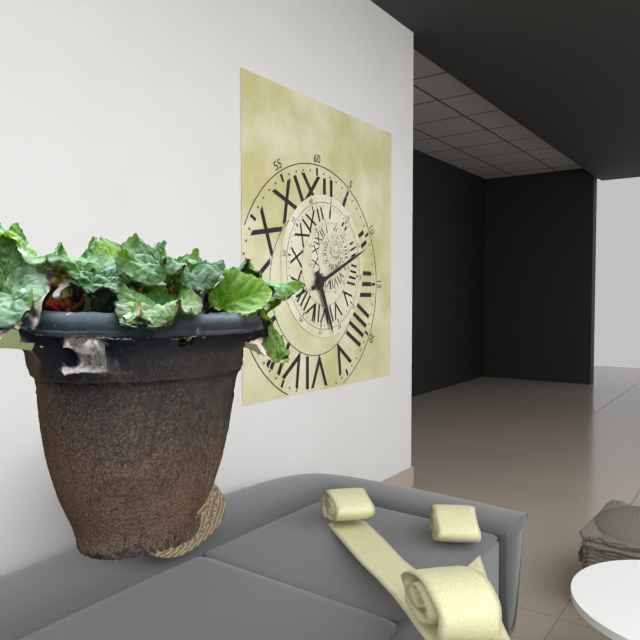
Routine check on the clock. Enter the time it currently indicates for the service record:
5:11
